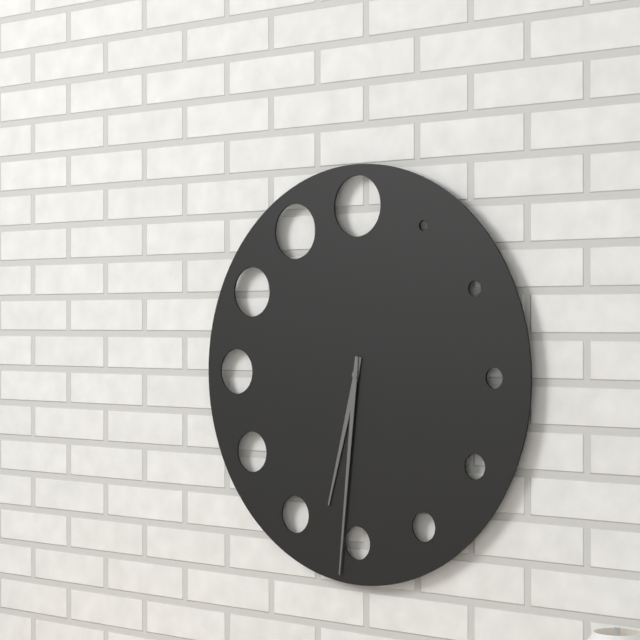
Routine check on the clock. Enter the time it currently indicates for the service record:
6:31
